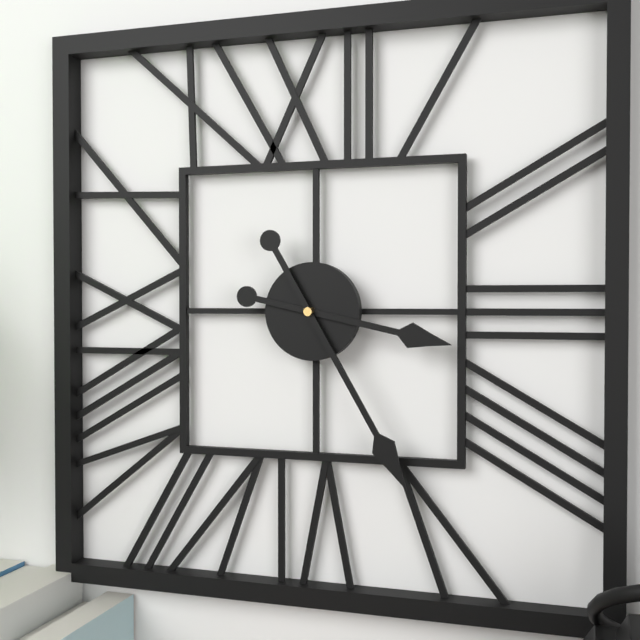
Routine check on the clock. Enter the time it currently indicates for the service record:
3:25
